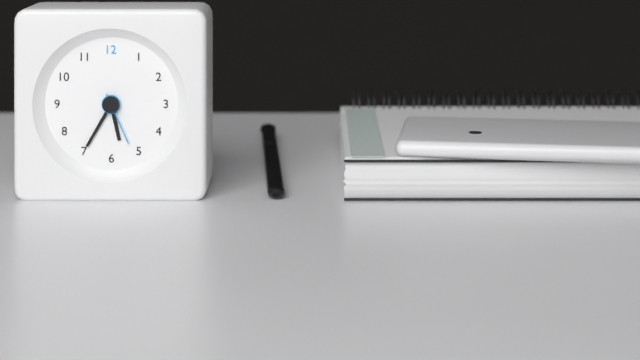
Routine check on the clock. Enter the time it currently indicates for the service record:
5:35:26
